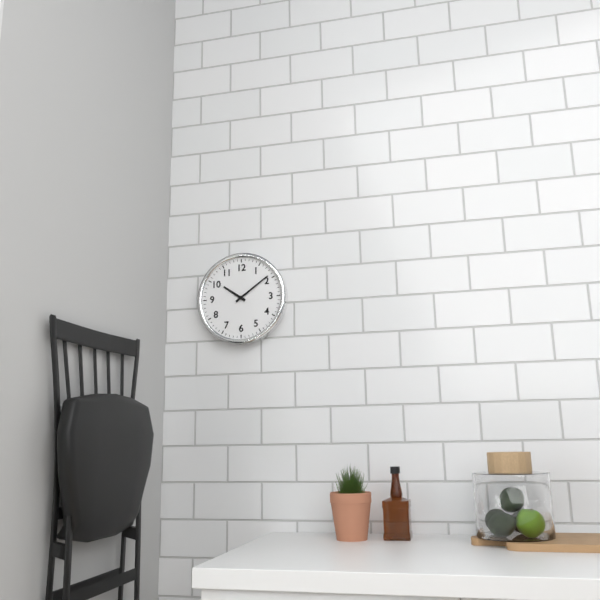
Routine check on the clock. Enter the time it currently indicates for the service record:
10:09
